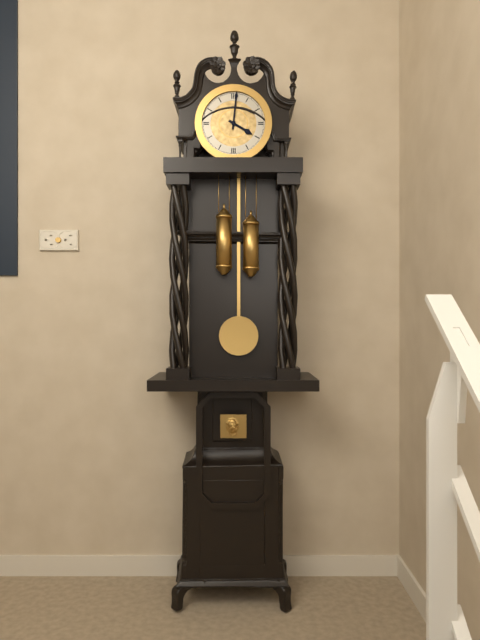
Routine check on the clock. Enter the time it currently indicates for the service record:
4:01
